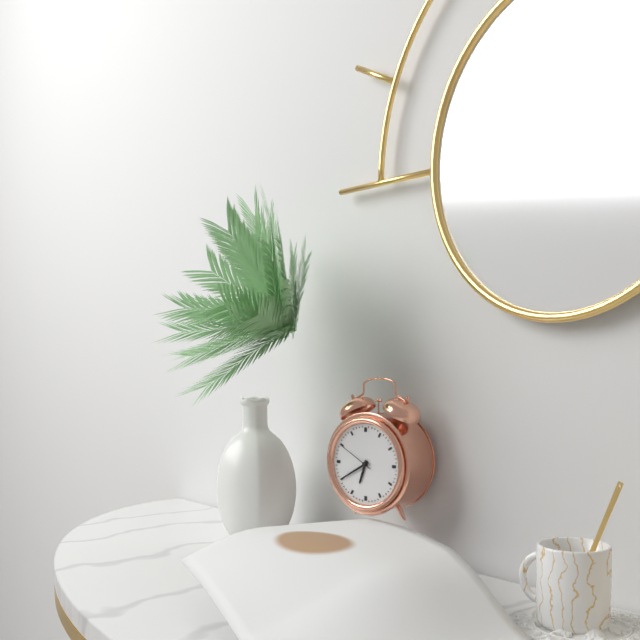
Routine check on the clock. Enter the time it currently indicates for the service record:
6:40
